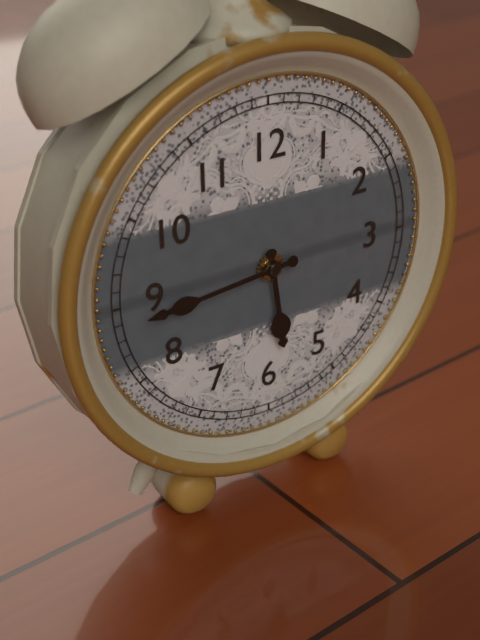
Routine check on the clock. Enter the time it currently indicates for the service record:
5:44
